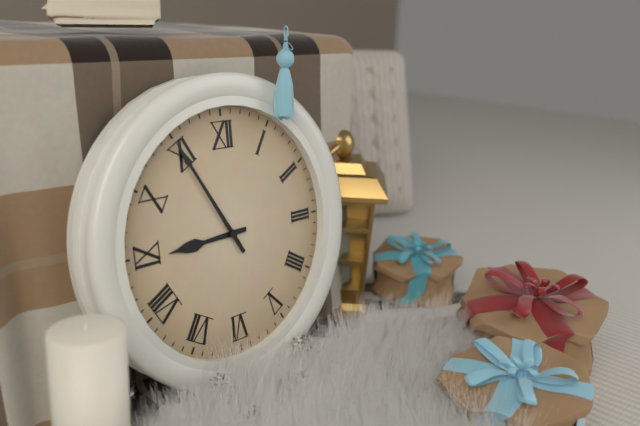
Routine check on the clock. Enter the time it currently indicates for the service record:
8:55
